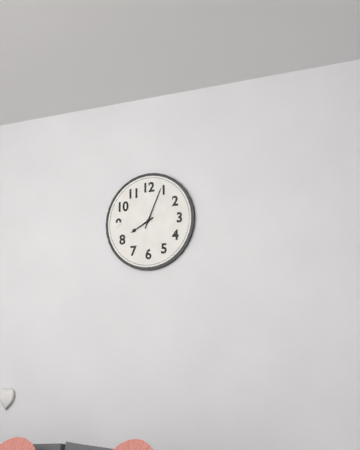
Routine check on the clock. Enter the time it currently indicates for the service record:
8:04
